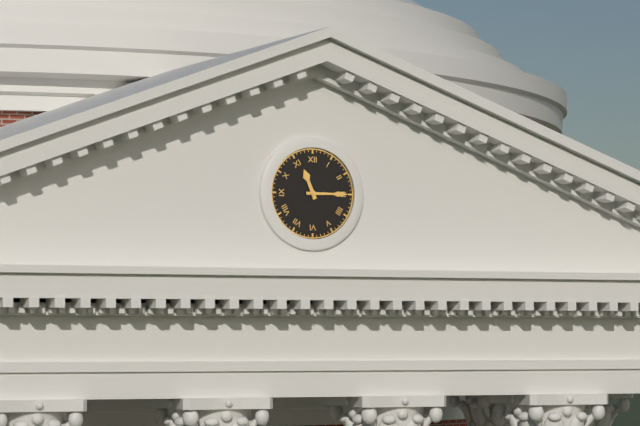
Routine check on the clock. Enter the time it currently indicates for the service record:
11:15
